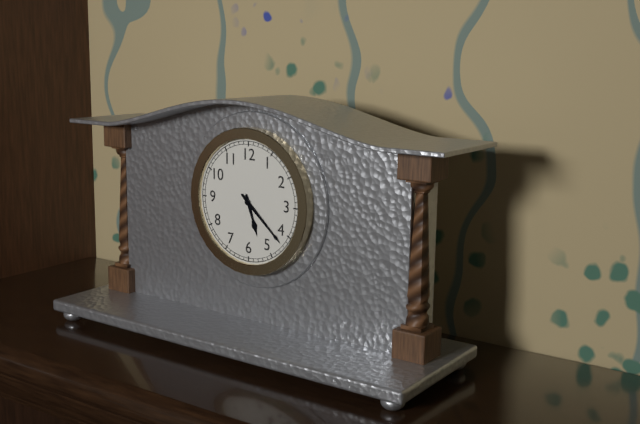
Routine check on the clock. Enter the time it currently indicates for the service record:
5:22
